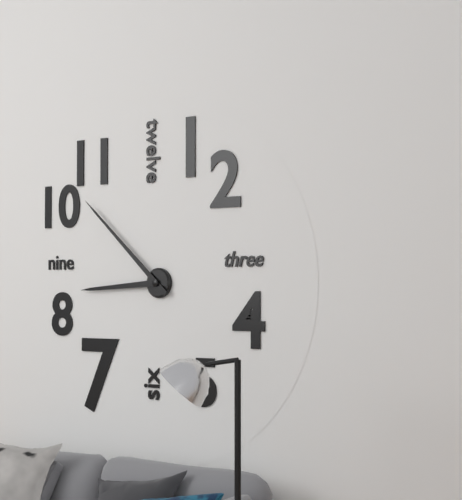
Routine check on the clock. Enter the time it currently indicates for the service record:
8:52
